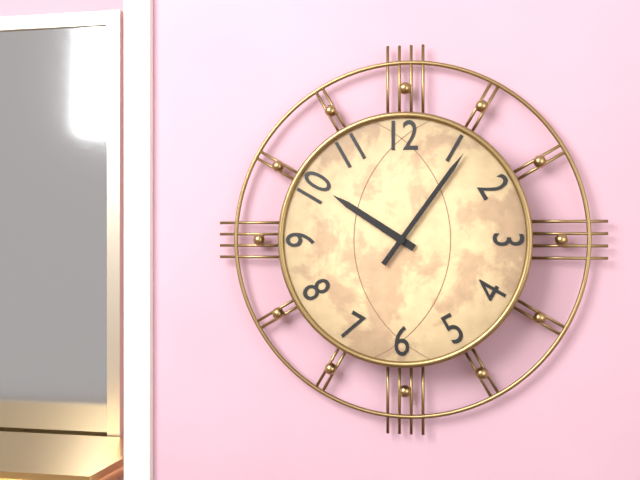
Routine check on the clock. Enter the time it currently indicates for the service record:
10:06
